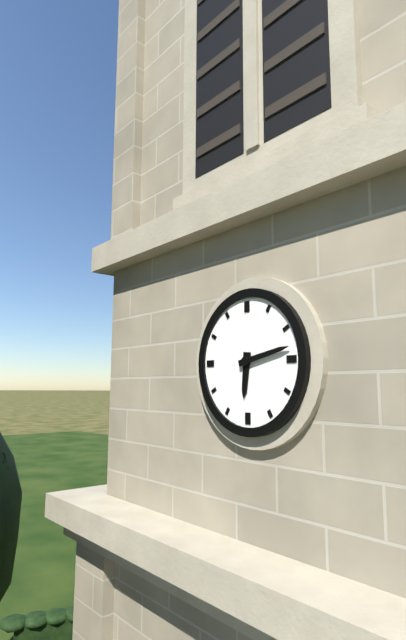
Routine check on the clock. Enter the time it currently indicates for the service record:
6:13
